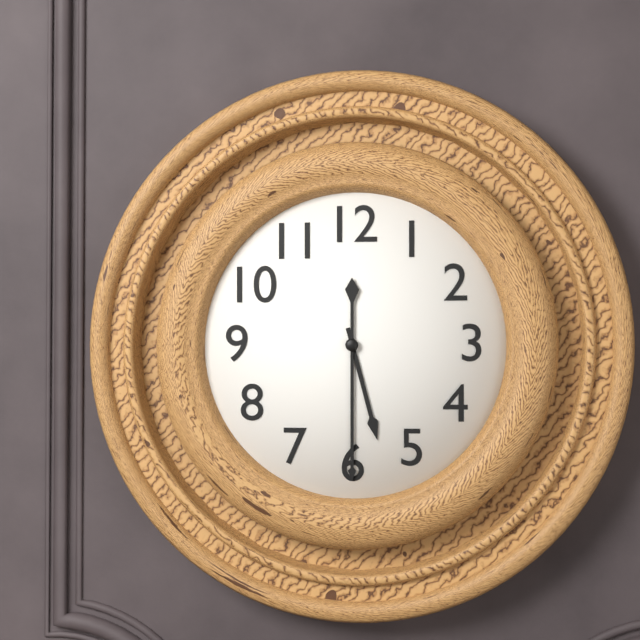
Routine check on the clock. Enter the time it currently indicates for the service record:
5:30
